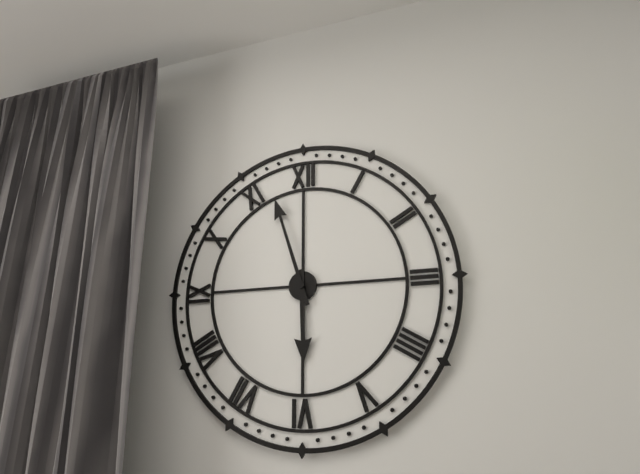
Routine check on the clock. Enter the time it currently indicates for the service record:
5:57
